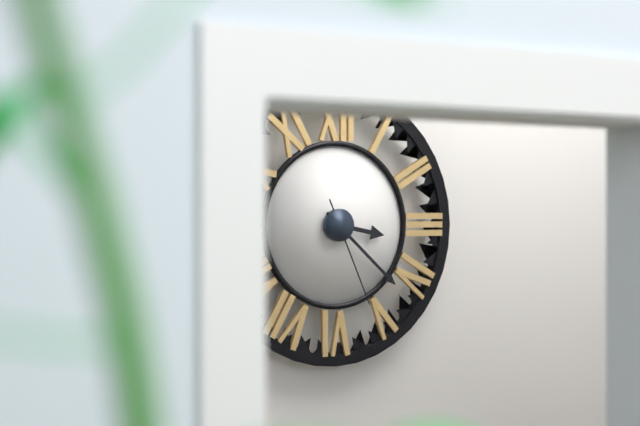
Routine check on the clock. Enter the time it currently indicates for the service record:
3:22:26
